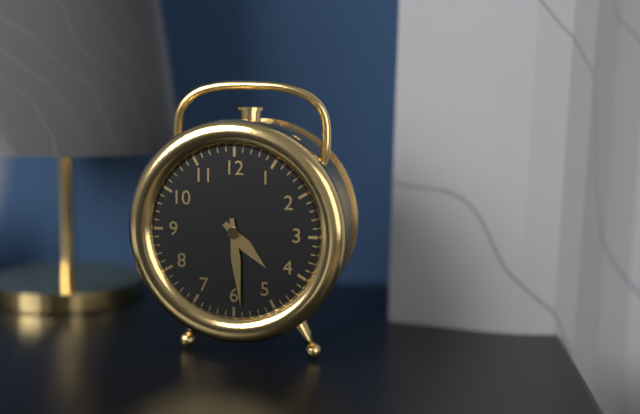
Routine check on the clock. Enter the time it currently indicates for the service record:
4:29
